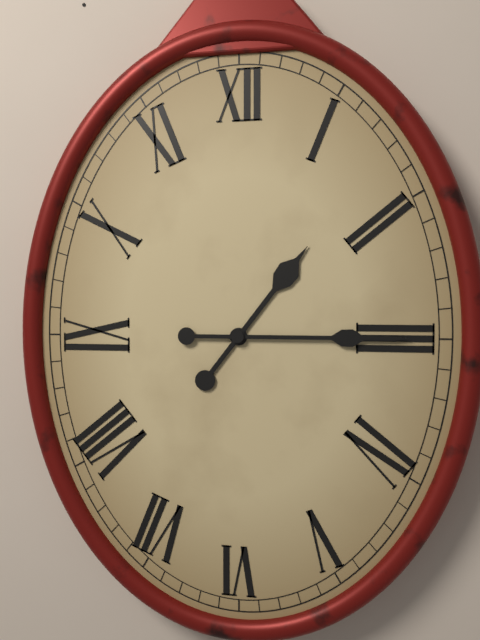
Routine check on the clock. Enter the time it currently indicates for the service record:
1:15
